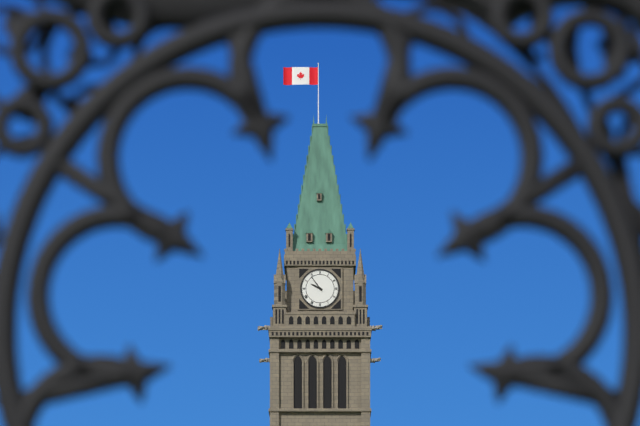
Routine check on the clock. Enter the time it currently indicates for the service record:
9:54
